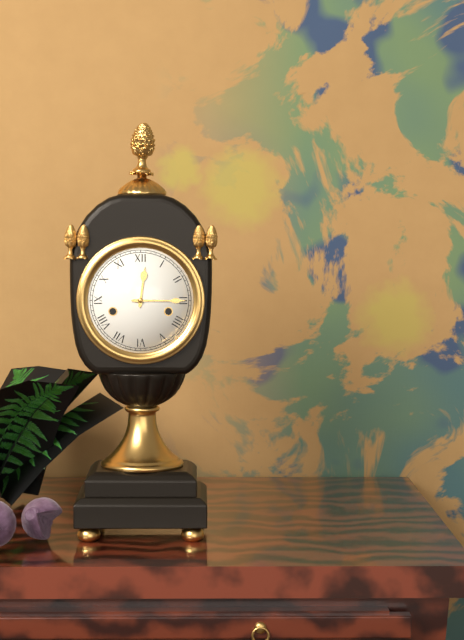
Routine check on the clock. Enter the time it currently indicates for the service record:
12:15
